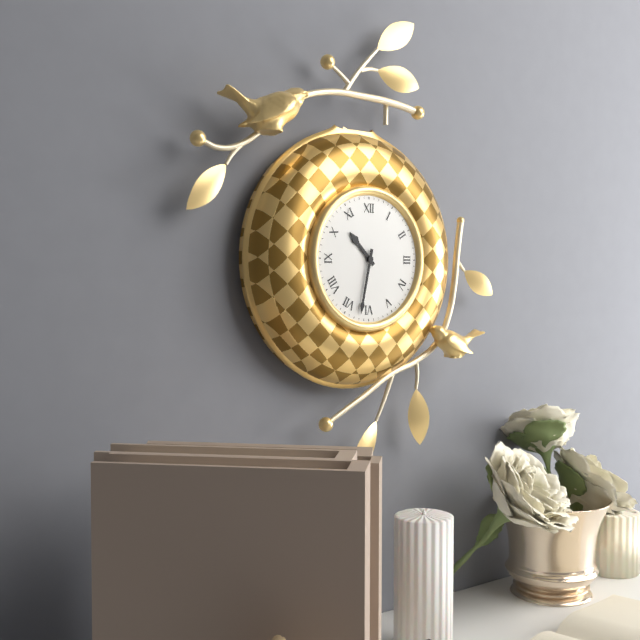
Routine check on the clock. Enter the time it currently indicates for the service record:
10:32
